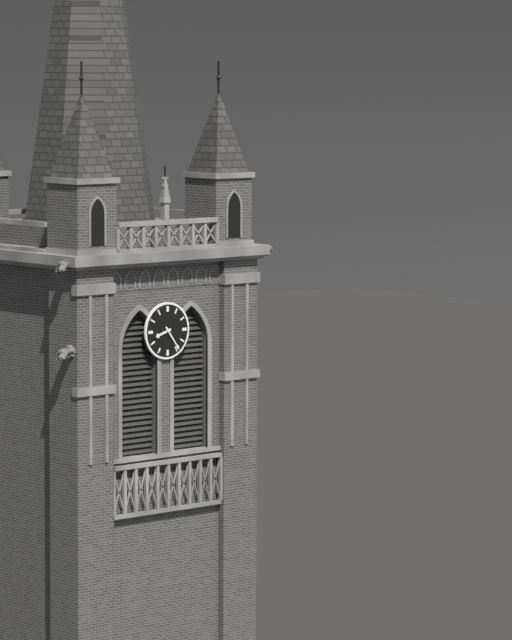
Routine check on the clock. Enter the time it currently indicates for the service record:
8:24
